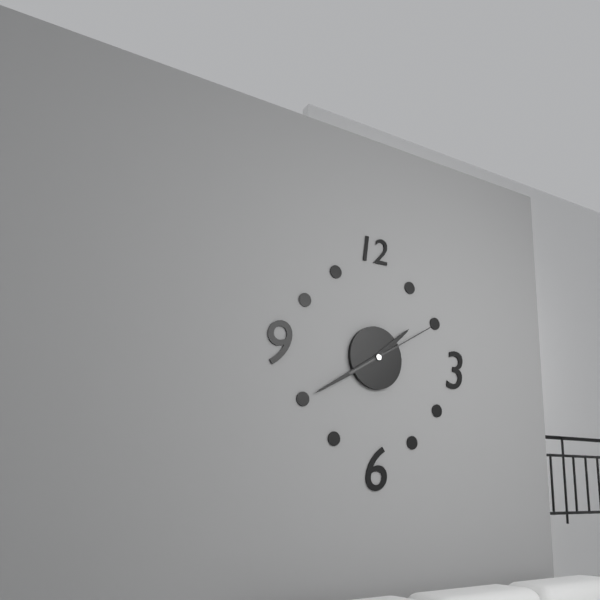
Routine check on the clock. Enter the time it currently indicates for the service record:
1:40:10
